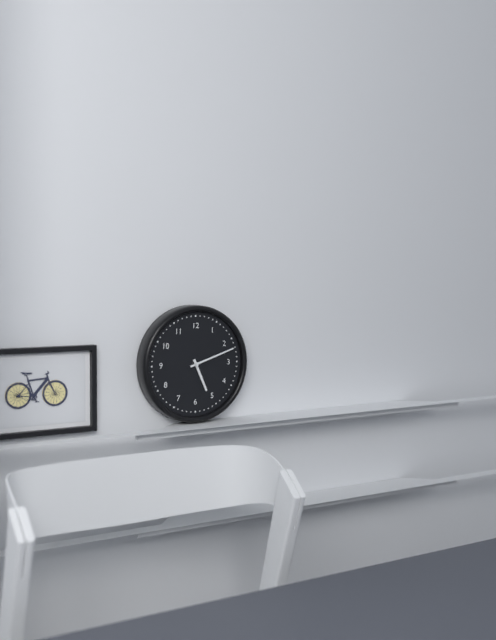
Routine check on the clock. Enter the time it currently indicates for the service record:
5:12
